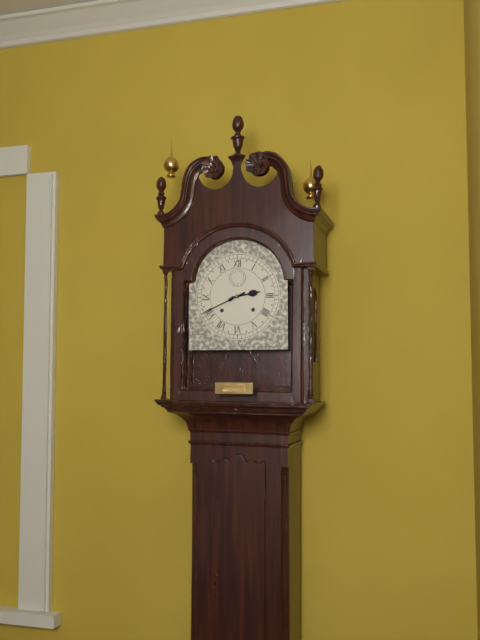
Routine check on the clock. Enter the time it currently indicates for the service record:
2:41
